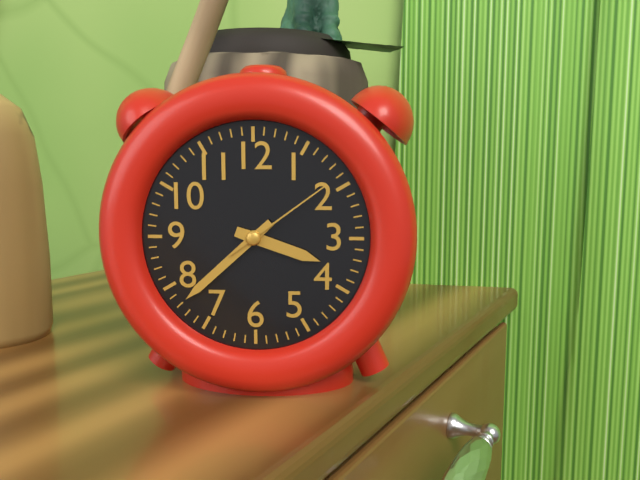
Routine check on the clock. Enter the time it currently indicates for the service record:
3:38:09
